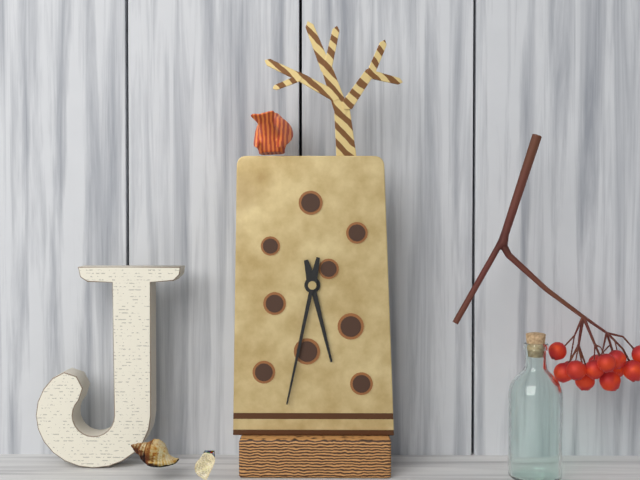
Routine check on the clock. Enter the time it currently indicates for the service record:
5:32
